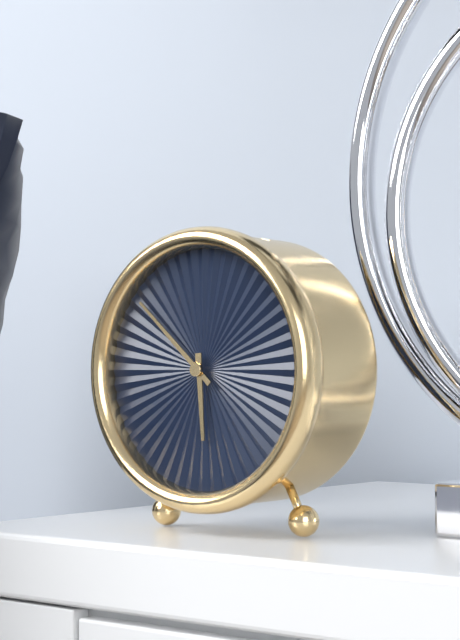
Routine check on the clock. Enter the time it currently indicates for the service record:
5:52
